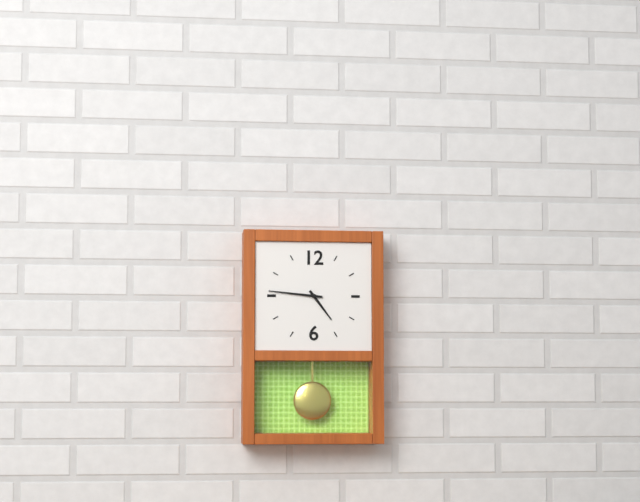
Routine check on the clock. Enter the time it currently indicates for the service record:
4:46
